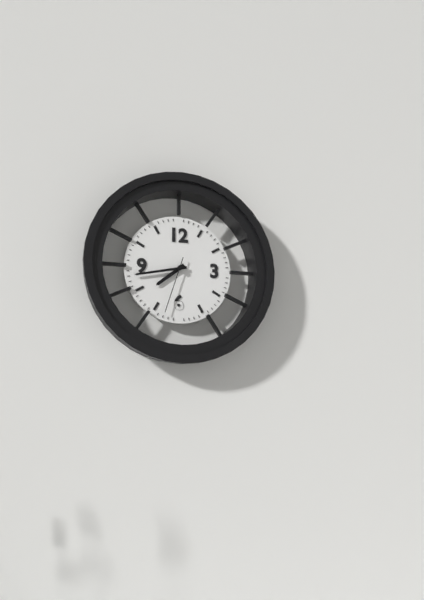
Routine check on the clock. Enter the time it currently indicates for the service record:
7:43:33
